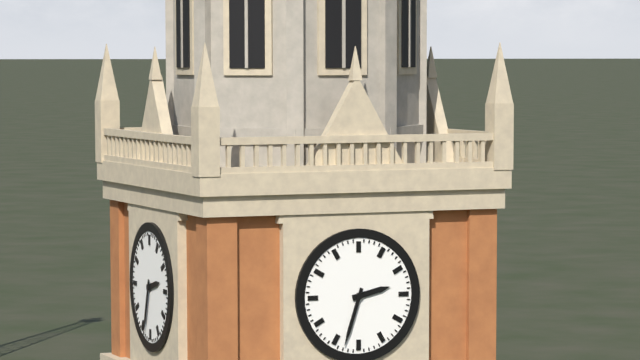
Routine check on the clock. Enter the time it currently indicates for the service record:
2:33
